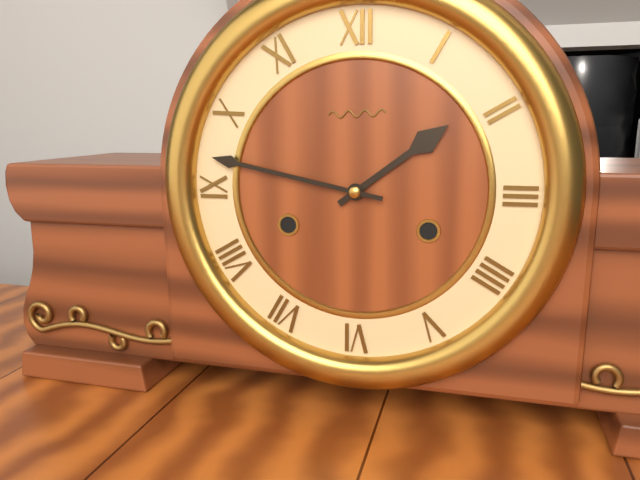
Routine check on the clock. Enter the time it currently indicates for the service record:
1:47
